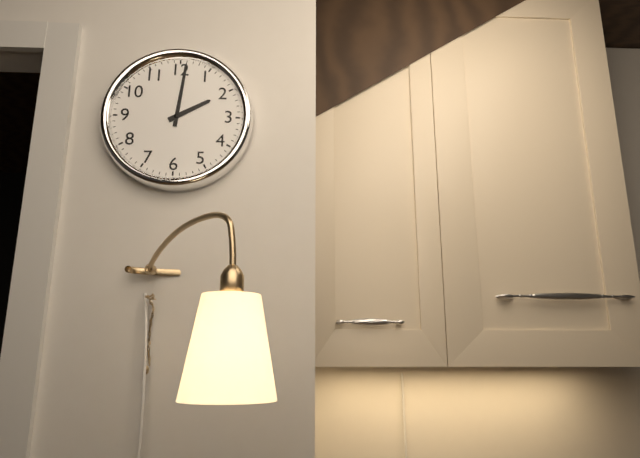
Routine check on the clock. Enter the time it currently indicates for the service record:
2:01
